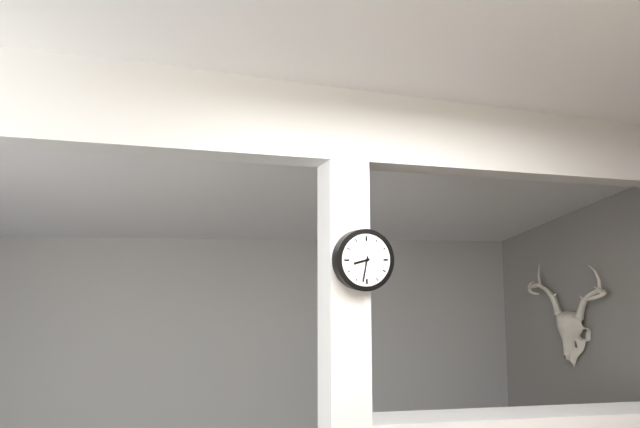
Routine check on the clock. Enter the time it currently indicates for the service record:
8:32
